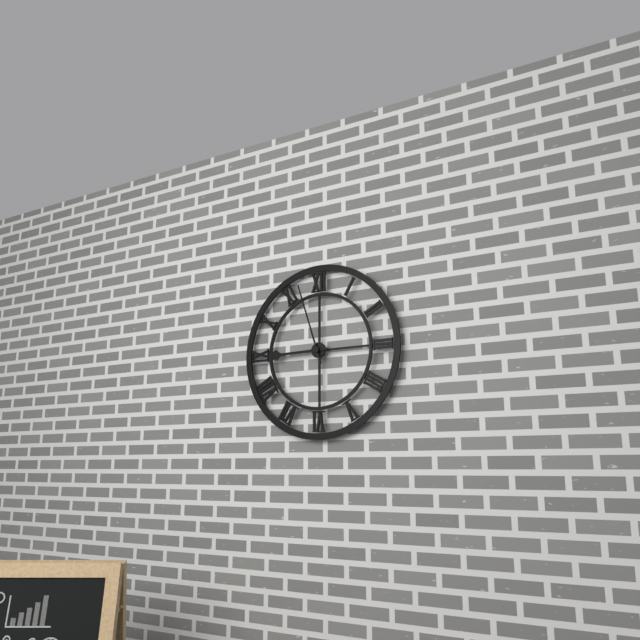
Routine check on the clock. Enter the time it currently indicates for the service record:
8:57
